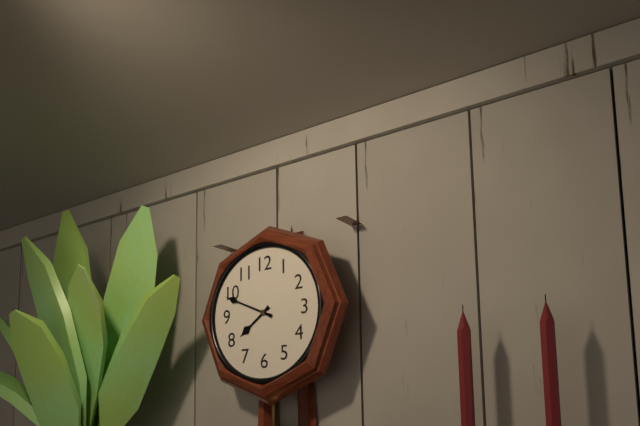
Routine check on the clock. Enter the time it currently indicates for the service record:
7:49
